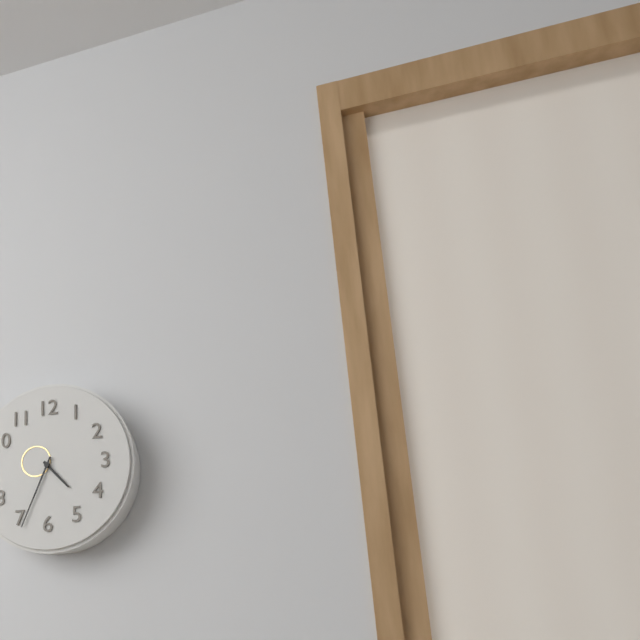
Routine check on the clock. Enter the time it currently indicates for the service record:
4:34
